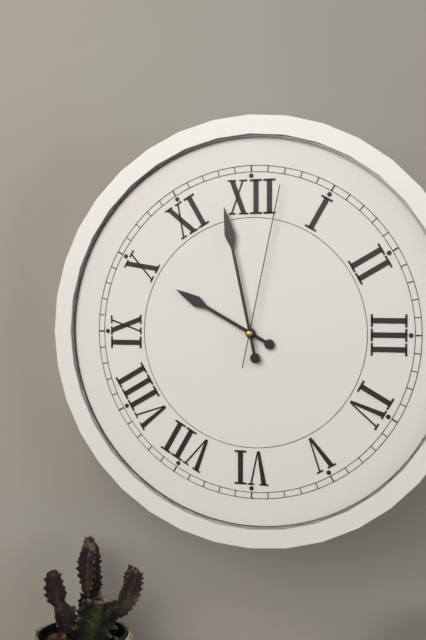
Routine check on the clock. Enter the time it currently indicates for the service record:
9:58:02
